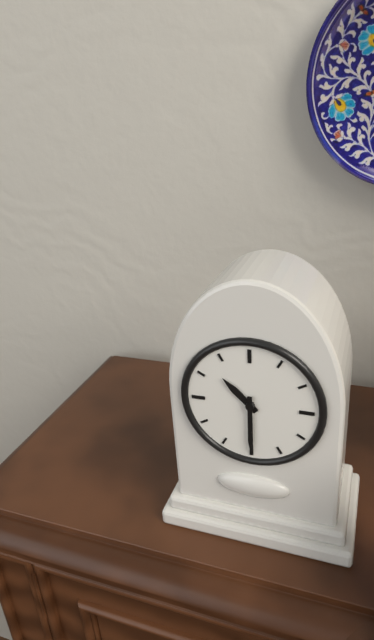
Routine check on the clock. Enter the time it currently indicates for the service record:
10:30
